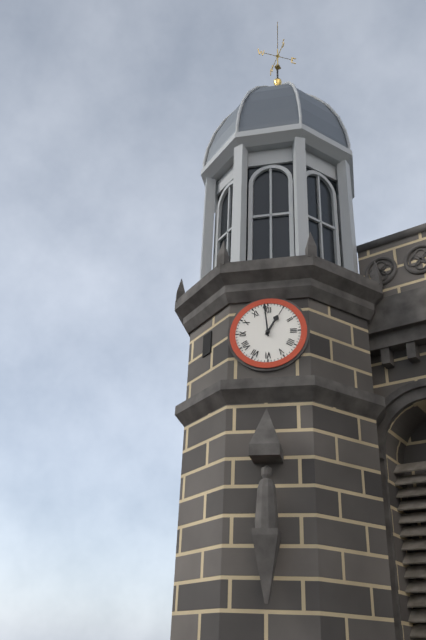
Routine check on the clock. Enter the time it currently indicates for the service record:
12:59
